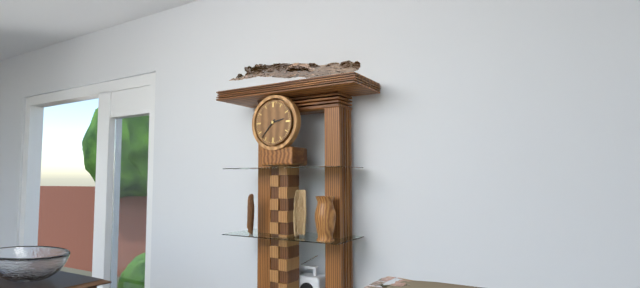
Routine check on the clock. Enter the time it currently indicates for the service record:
2:37
